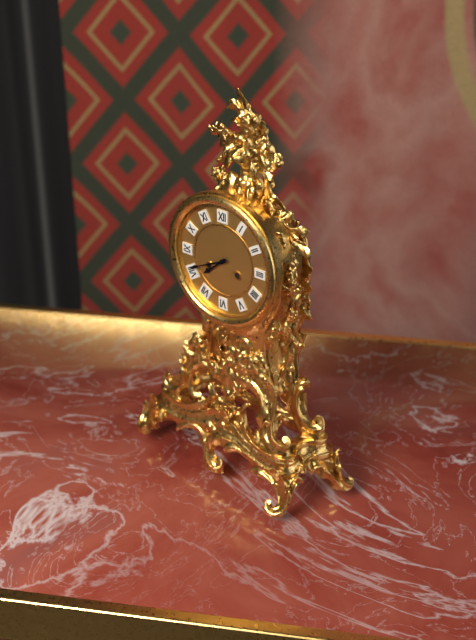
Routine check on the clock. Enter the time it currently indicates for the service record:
7:41
